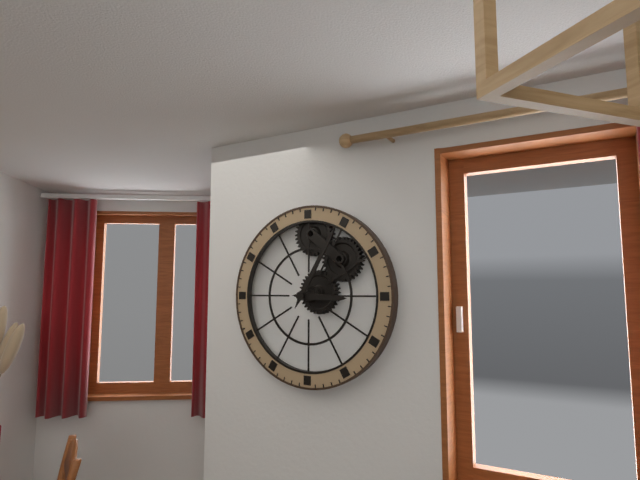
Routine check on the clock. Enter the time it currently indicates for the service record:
3:05
